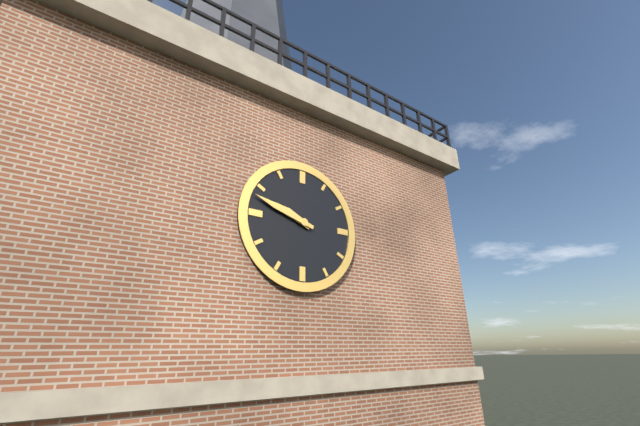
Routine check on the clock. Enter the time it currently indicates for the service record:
9:48
